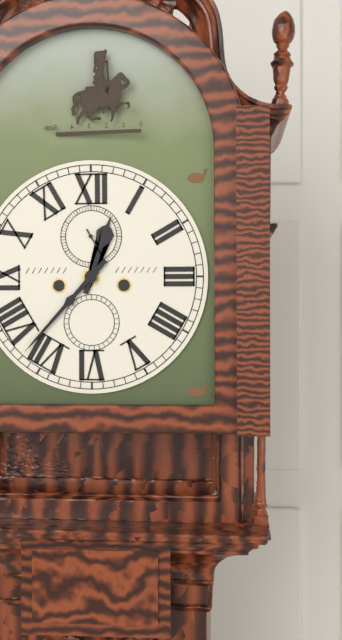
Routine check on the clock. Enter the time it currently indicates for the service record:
12:37
